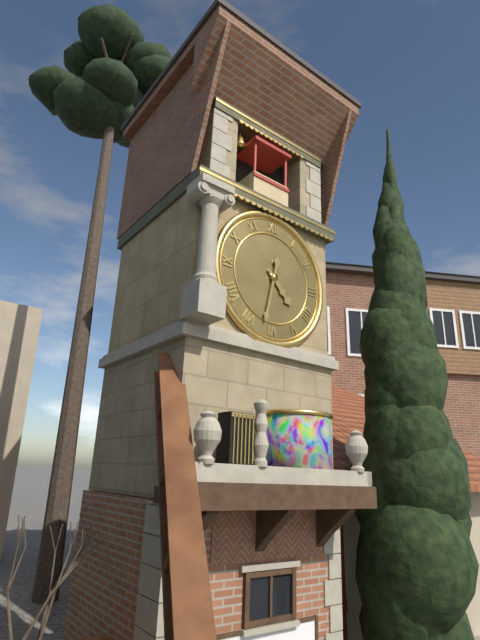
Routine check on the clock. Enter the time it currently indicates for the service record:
4:32
